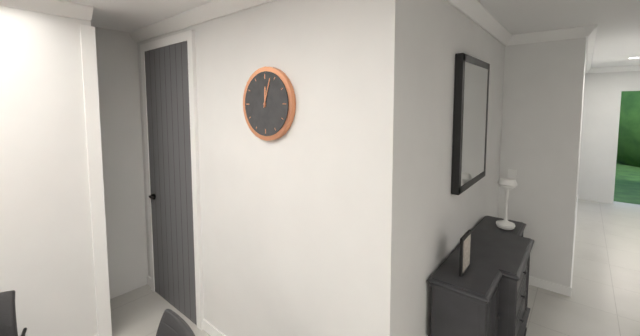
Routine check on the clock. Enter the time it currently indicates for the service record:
12:03
